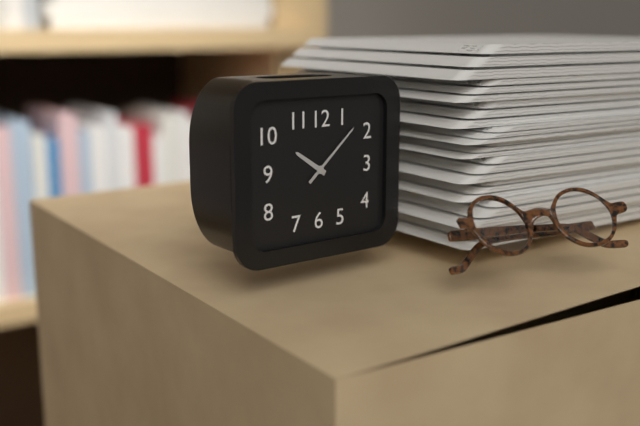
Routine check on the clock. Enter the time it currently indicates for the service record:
10:08
